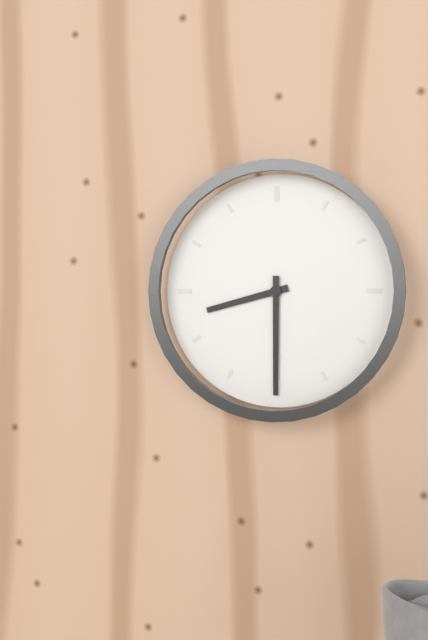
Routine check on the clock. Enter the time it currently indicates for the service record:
8:30
